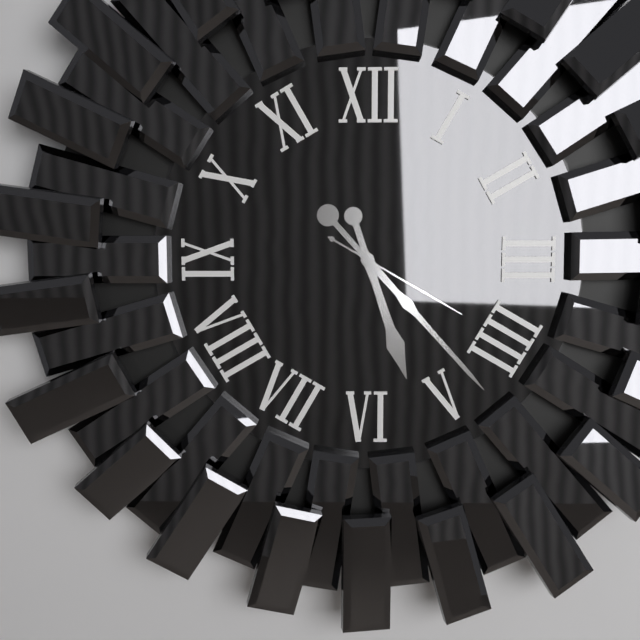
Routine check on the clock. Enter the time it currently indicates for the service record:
5:23:20
